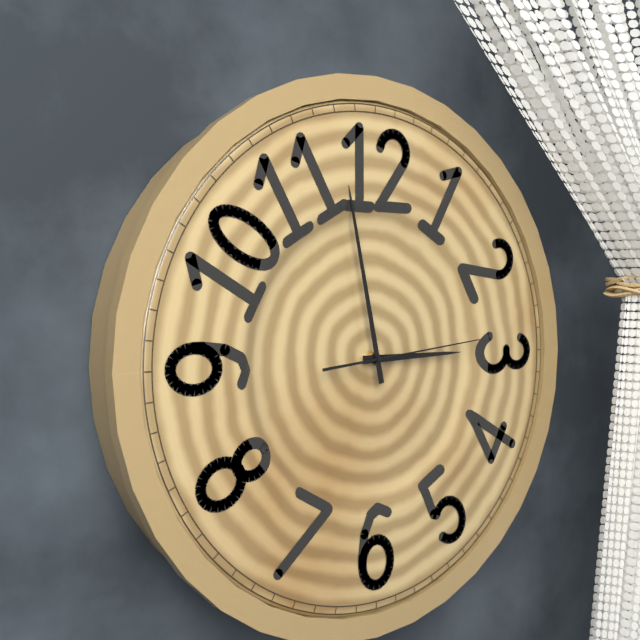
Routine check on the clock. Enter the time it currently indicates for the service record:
2:58:14
